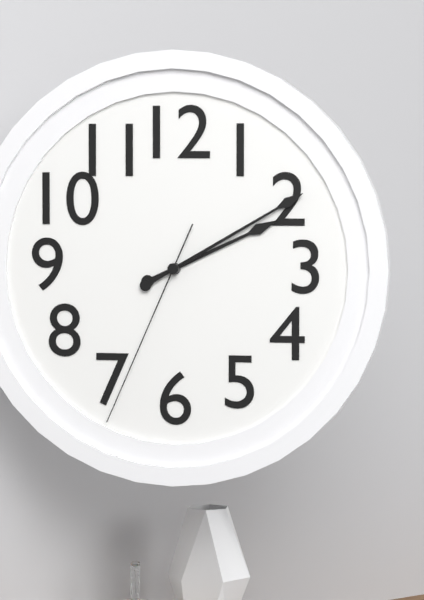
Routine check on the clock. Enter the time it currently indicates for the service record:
2:10:34
